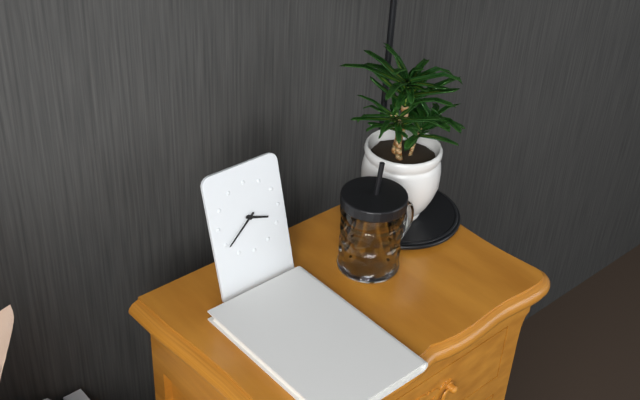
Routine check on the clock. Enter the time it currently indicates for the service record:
3:39
